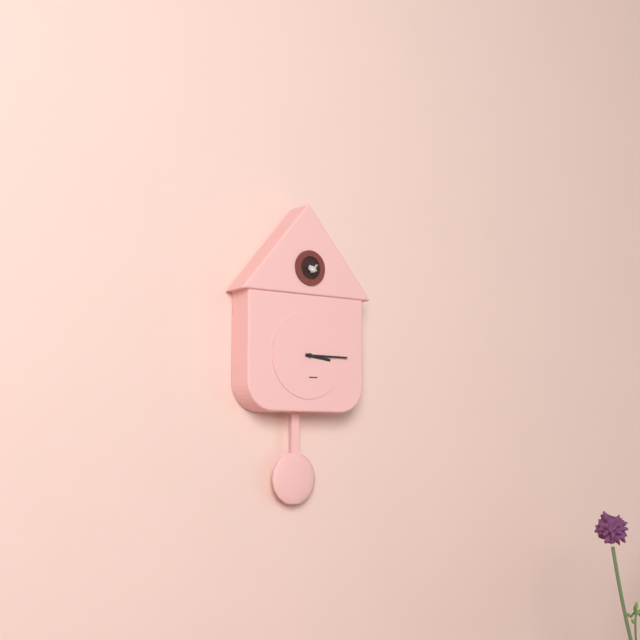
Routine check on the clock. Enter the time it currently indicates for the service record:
3:15
